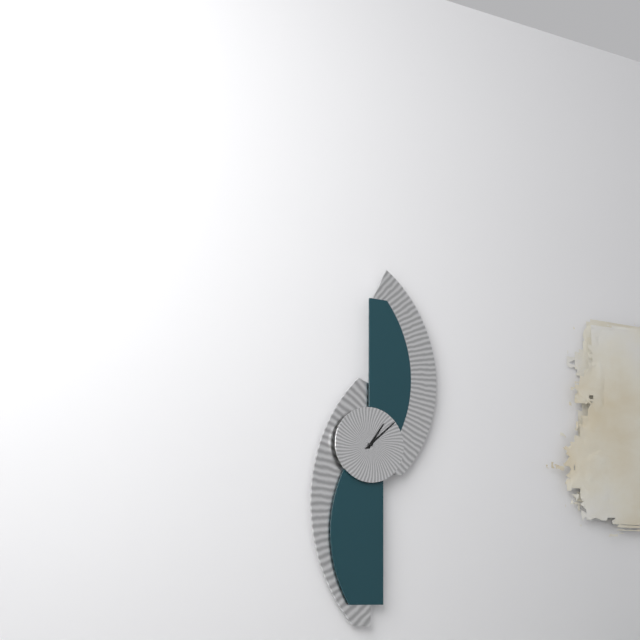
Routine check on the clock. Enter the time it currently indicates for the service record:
1:08
